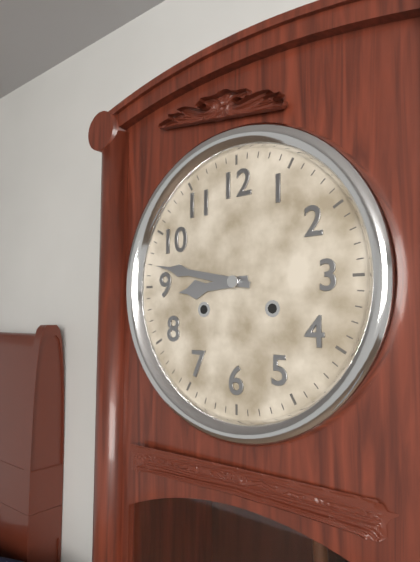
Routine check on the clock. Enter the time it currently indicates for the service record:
8:47
